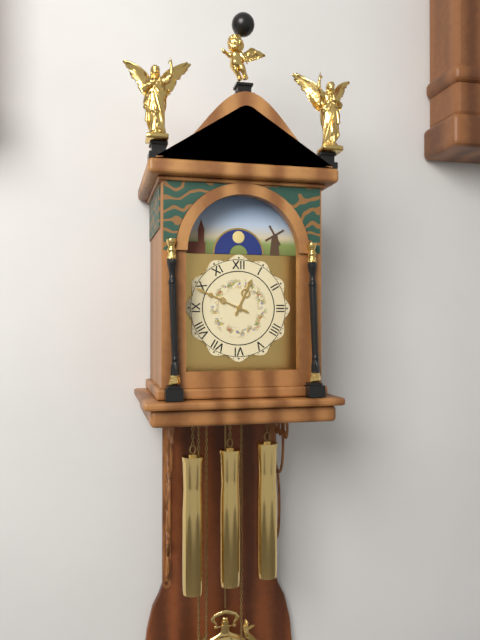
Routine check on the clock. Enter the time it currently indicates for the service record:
12:49
